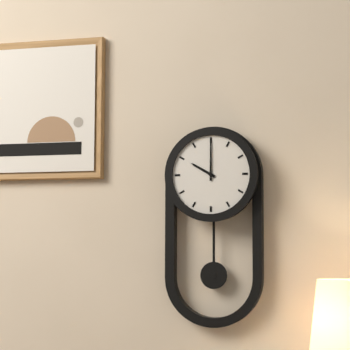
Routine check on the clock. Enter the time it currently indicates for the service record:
10:00
